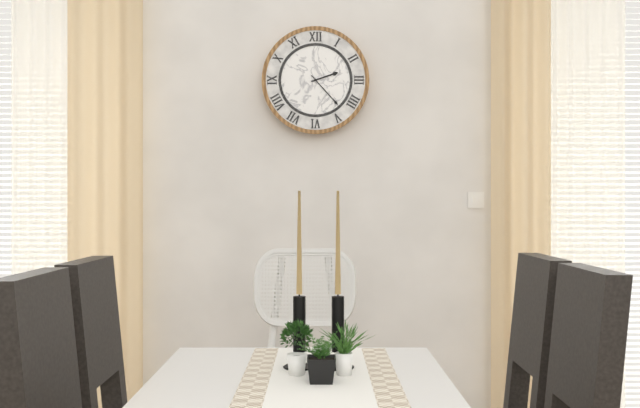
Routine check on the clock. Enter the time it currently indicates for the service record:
2:23
